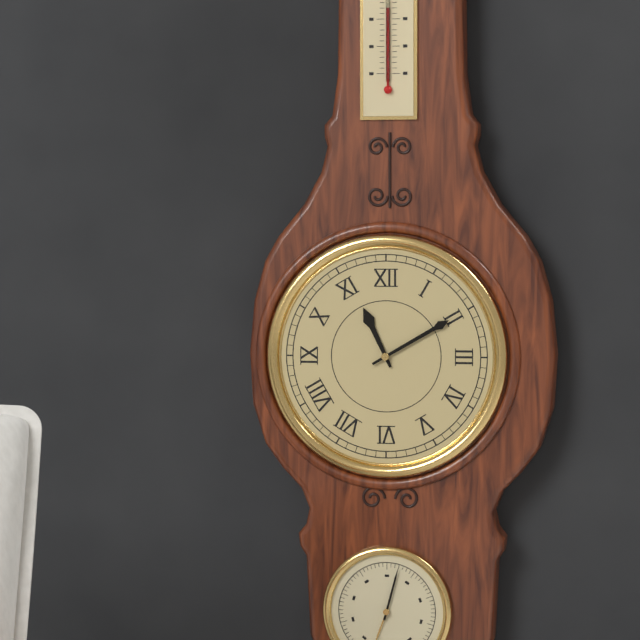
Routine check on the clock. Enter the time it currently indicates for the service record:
11:10
